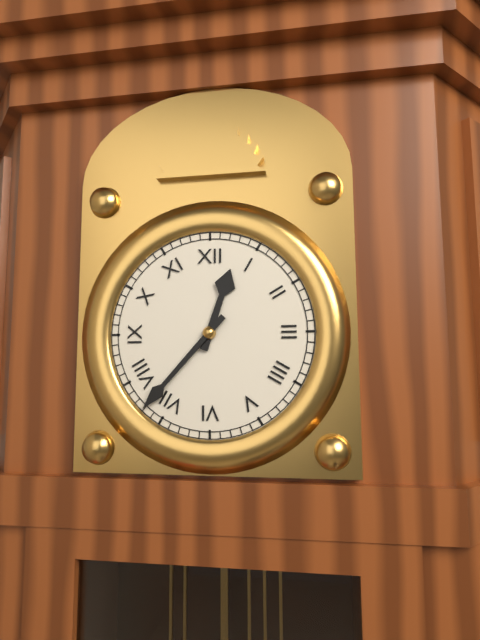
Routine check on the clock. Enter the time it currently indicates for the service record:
12:37
